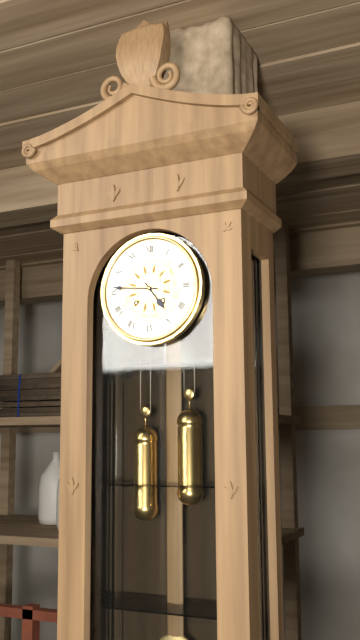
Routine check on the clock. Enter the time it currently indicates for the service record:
4:46
